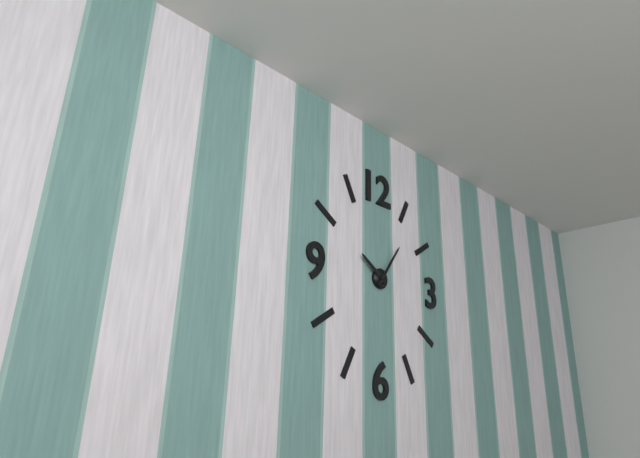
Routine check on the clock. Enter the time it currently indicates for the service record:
10:06
